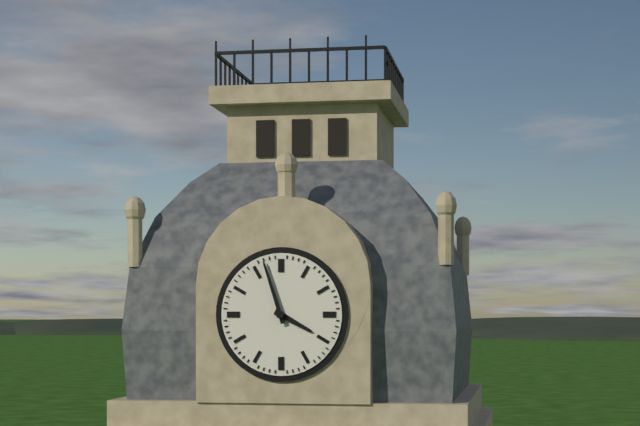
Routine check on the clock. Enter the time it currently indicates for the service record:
3:57
